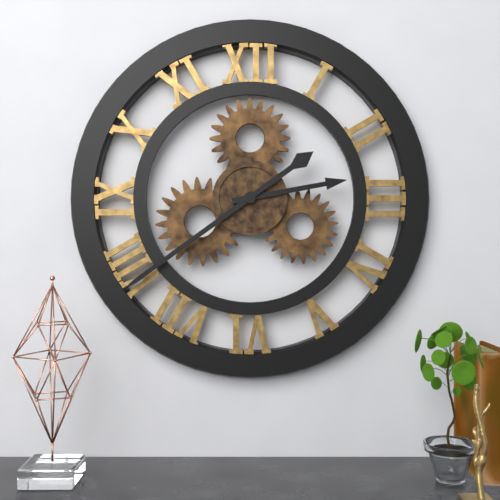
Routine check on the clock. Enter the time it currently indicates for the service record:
2:39
